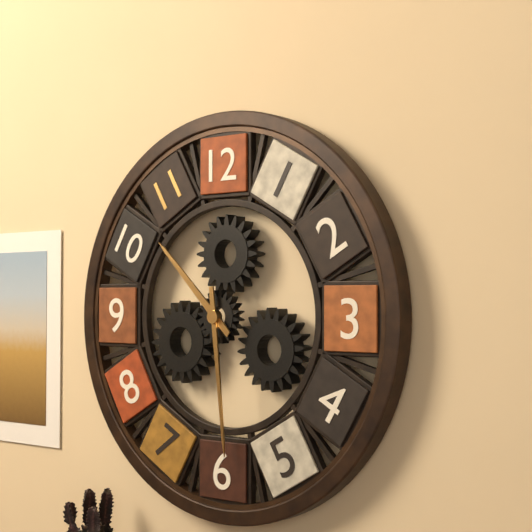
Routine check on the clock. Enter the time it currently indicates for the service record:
10:29
